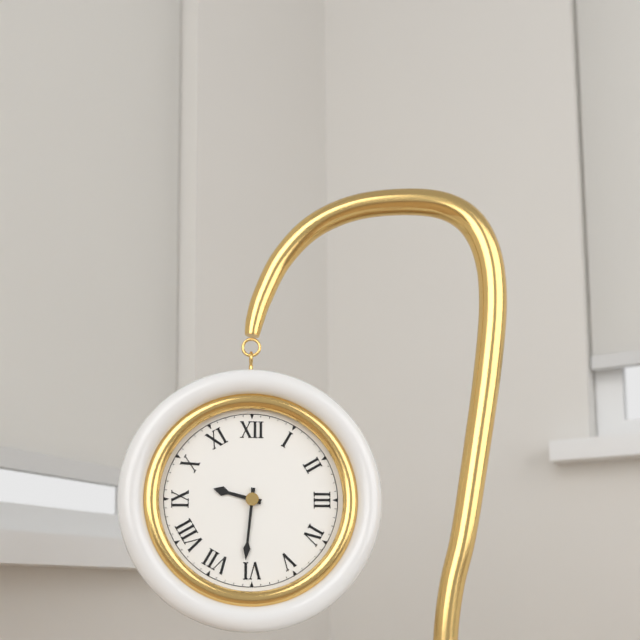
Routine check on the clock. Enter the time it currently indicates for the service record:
9:31
